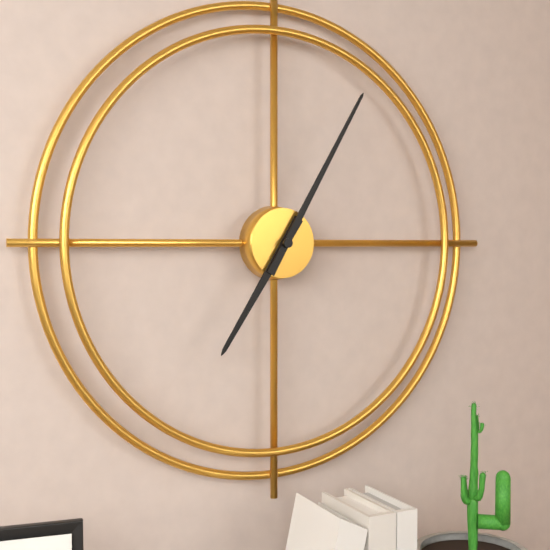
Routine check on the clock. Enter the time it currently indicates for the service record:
7:05
